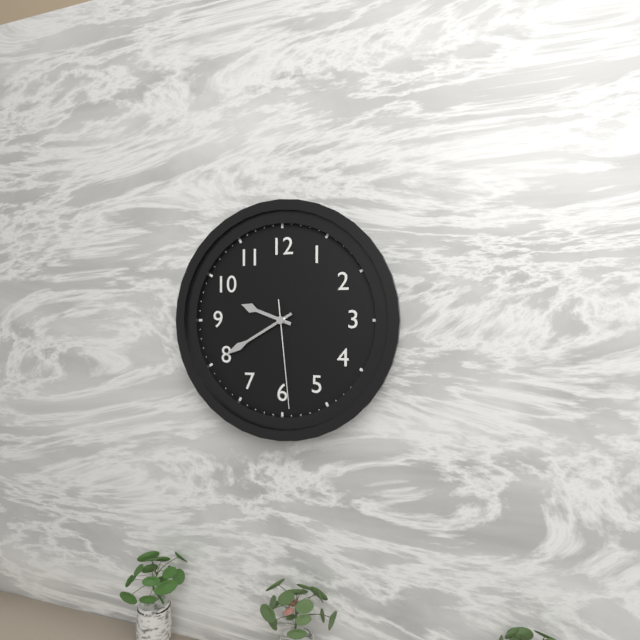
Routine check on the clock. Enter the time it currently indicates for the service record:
9:40:29
